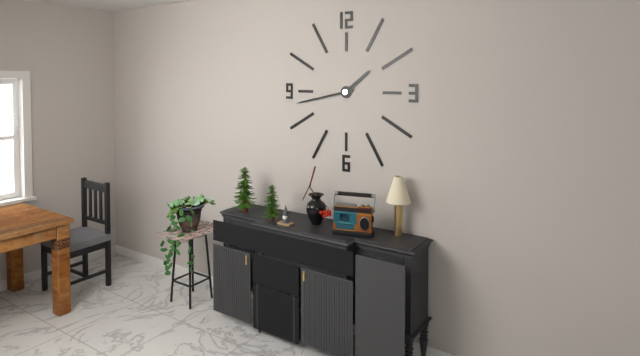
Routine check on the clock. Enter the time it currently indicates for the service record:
1:43
